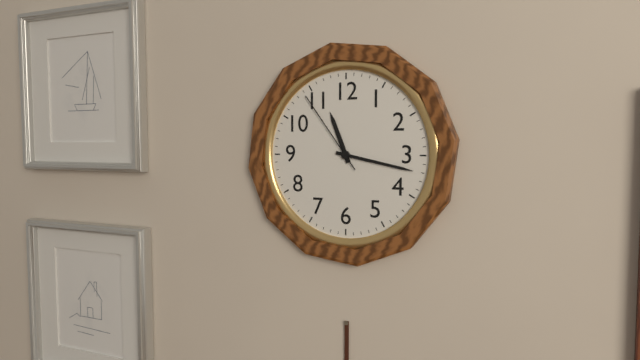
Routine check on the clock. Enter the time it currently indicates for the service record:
11:17:54
